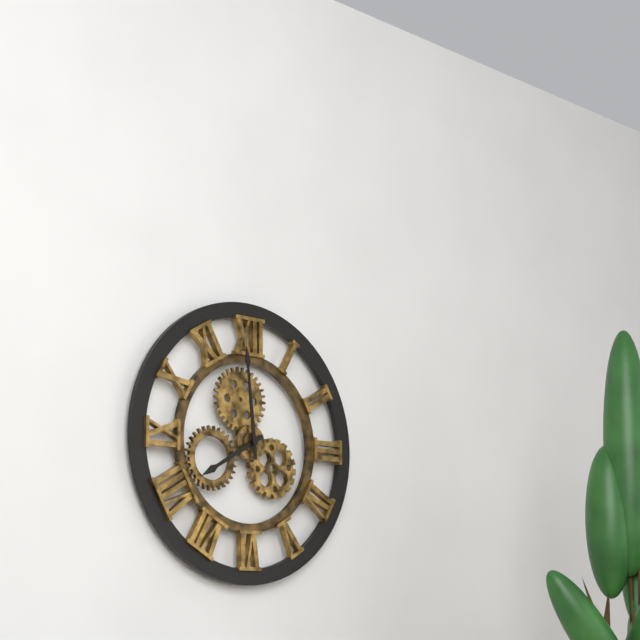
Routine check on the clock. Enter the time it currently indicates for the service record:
7:59
